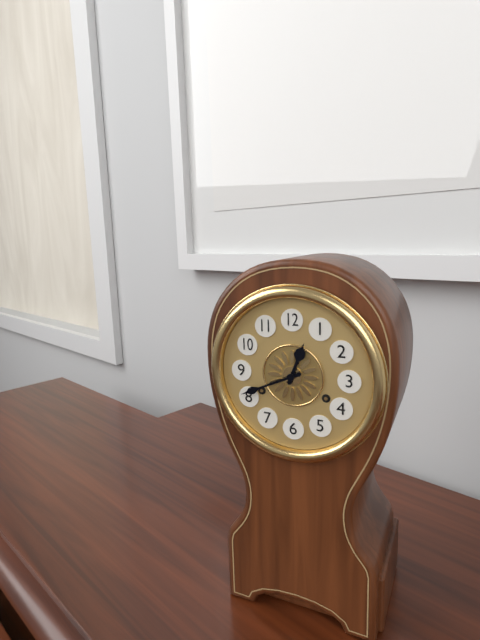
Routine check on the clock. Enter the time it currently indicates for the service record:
12:41
